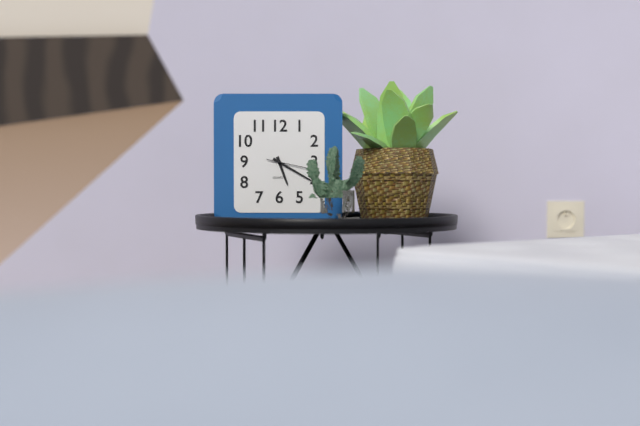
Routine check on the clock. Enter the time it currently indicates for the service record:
5:20:17
